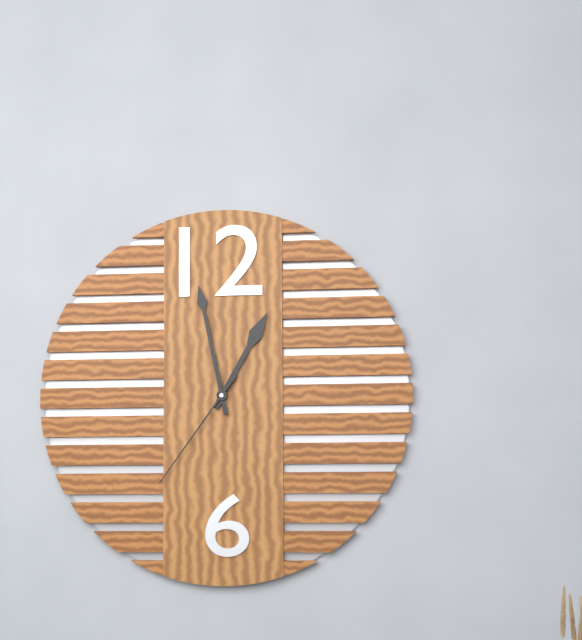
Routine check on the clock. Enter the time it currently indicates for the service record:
12:58:36
